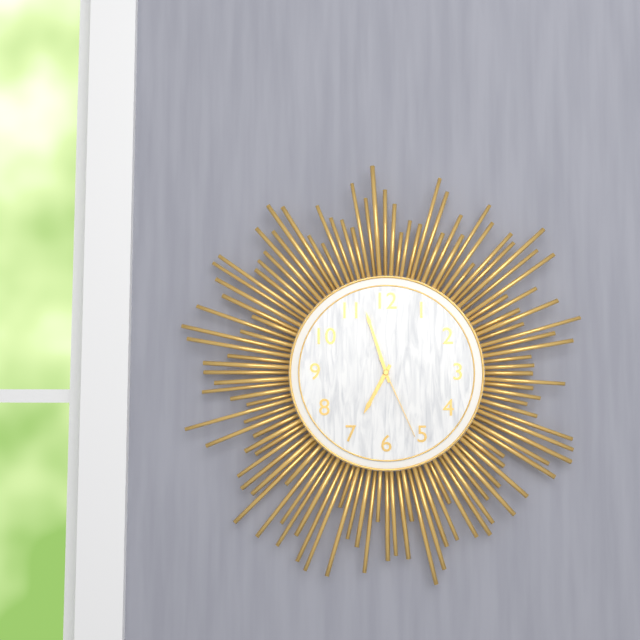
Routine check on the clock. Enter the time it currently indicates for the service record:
6:57:26
